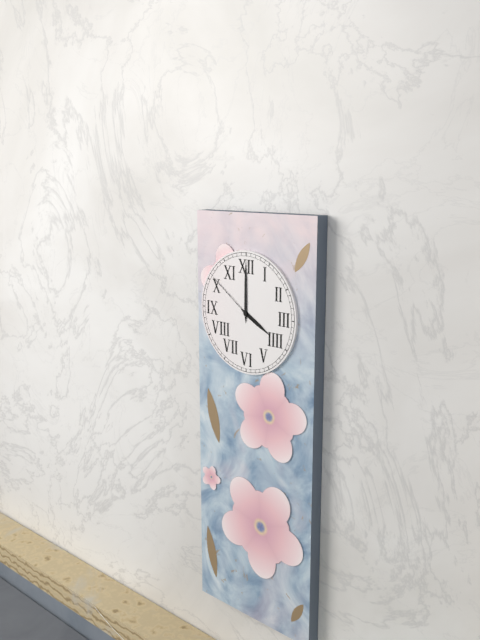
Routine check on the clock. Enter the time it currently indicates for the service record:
4:00:51
